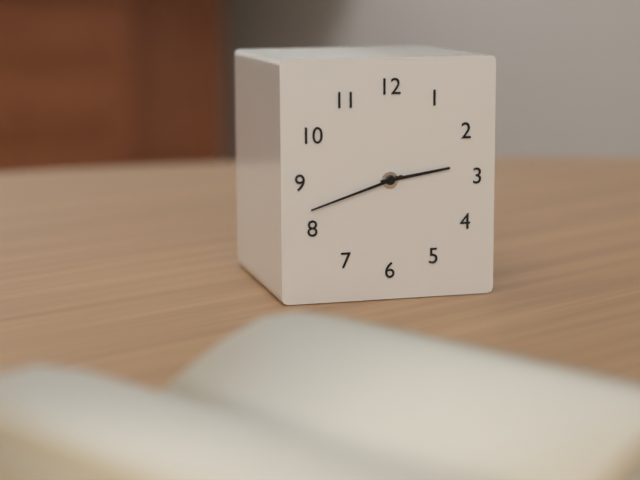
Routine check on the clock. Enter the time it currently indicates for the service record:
2:42
